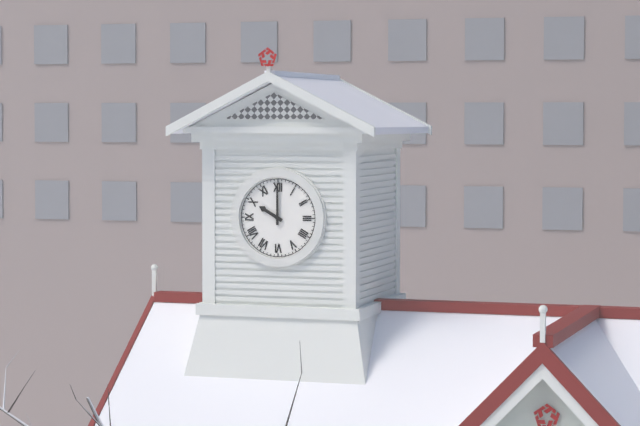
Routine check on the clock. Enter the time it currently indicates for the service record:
10:00
